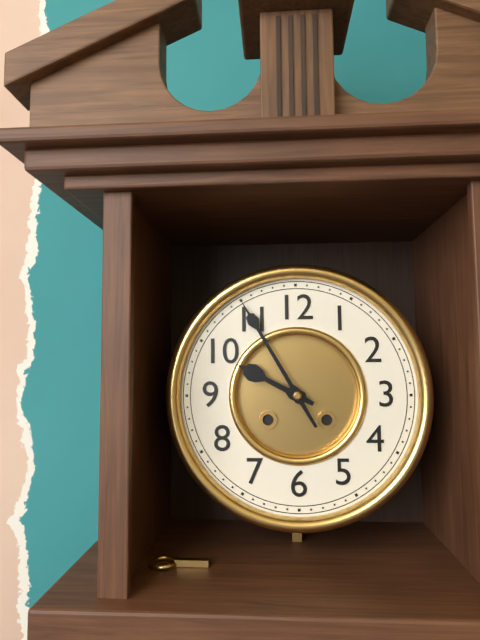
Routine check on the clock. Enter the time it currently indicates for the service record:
9:55
